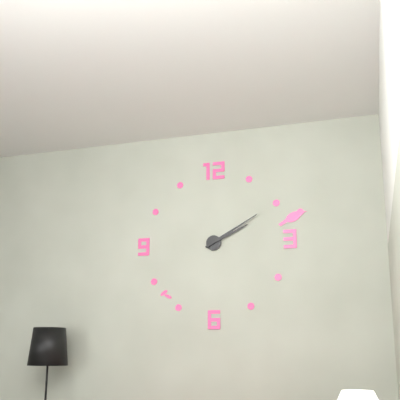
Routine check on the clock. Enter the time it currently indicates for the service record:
2:10
